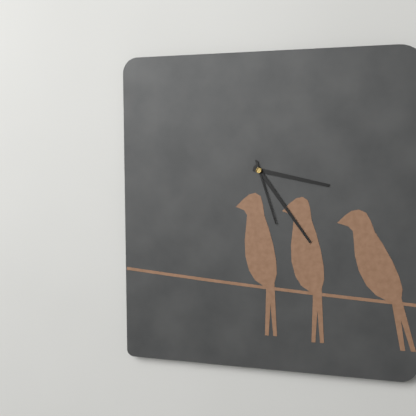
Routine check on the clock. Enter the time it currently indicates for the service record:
3:24:27
